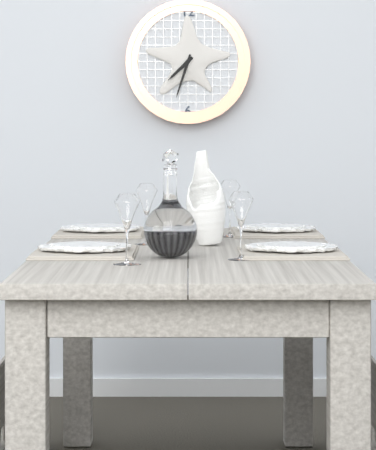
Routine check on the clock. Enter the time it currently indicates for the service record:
7:33
